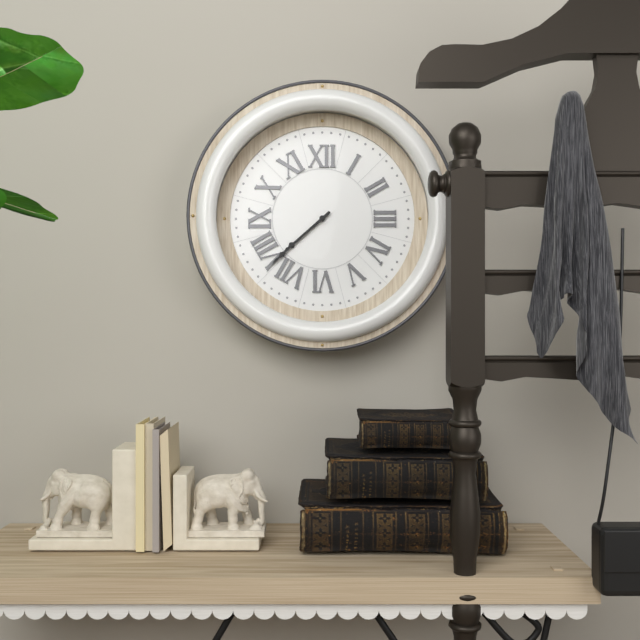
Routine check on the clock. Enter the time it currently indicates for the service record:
7:38
